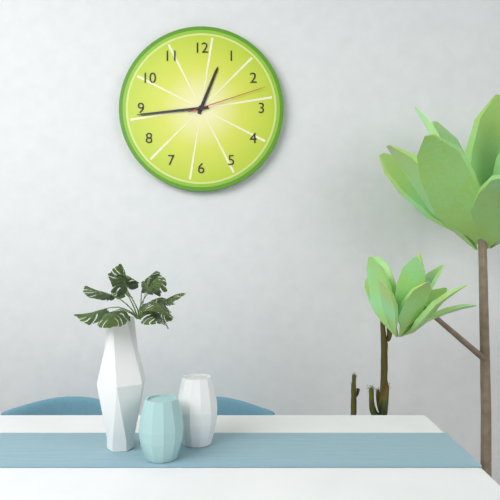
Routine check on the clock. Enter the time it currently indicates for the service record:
12:44:12
